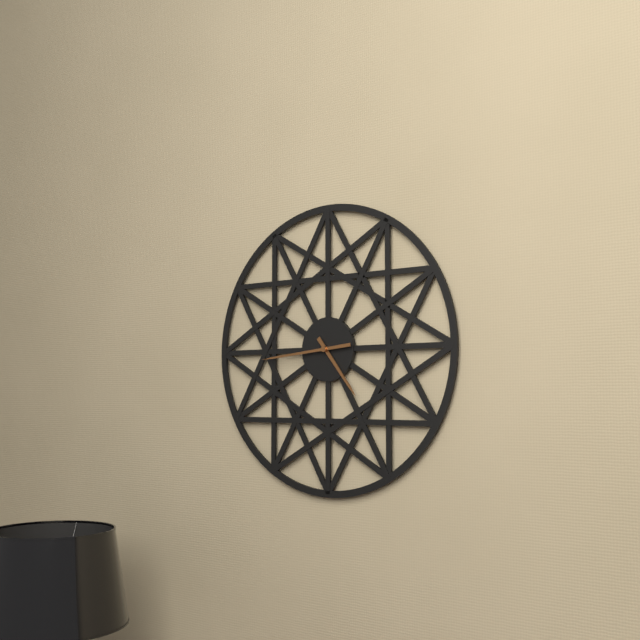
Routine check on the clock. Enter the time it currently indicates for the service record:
4:44
